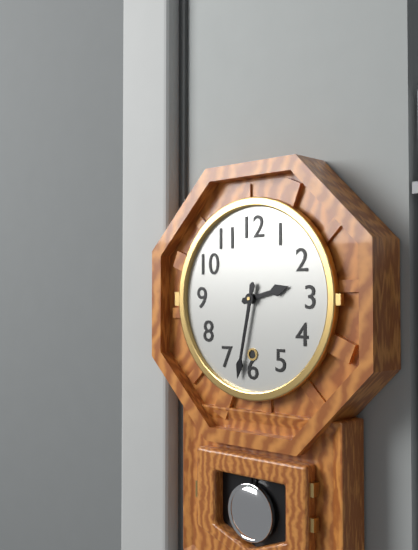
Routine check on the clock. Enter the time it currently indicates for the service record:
2:32
